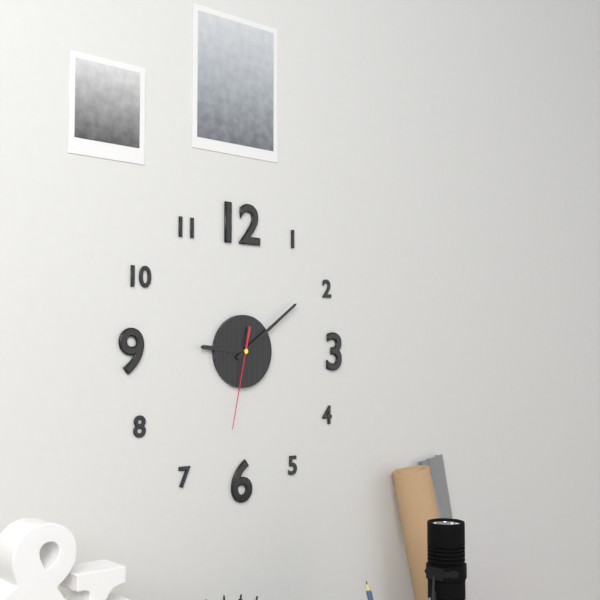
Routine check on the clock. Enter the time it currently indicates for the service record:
9:09:32
